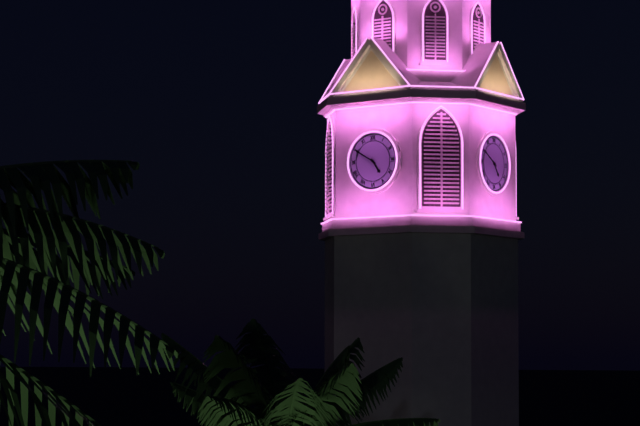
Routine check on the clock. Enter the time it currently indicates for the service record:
4:50
